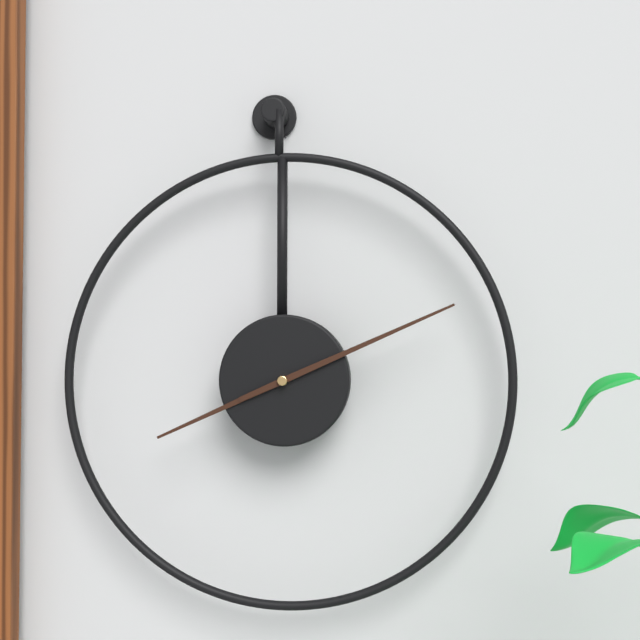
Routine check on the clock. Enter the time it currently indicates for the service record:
8:11
